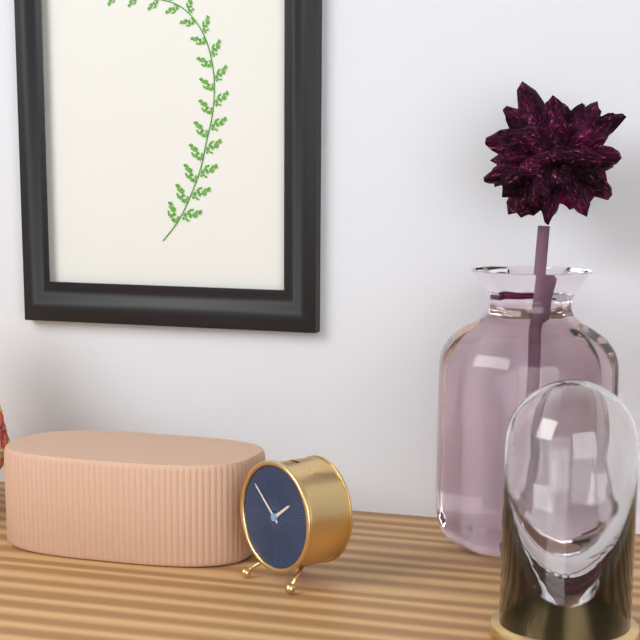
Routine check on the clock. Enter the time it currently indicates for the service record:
1:52
